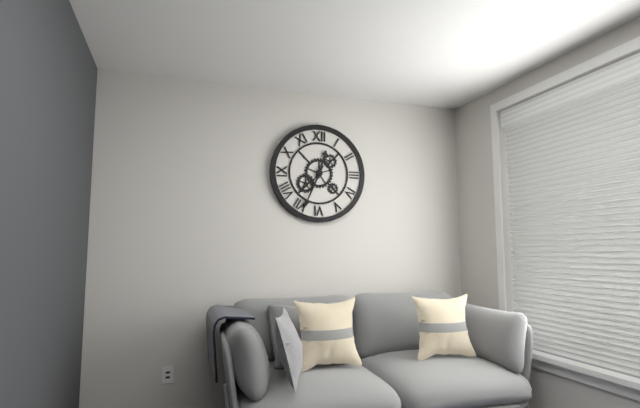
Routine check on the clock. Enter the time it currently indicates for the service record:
12:34
